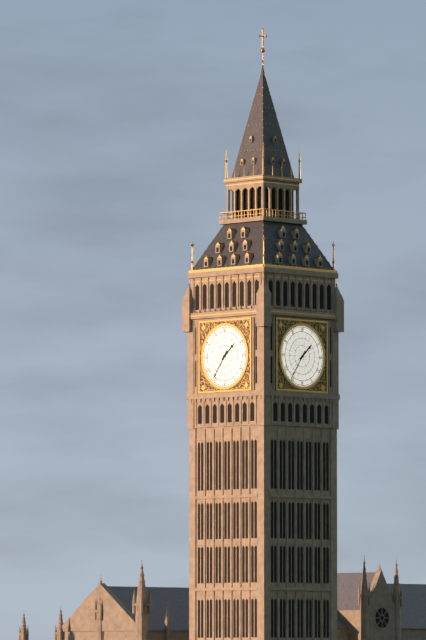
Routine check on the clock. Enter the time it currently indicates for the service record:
1:36
